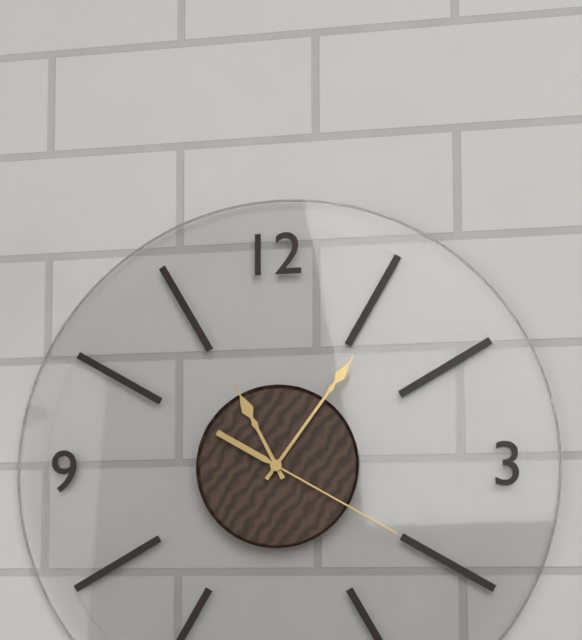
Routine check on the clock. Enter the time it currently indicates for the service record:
11:06:20
